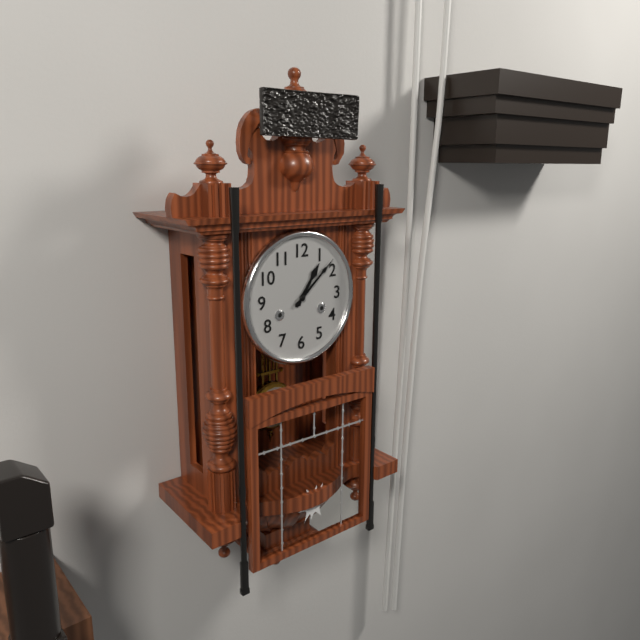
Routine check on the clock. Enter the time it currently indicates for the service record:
1:08
